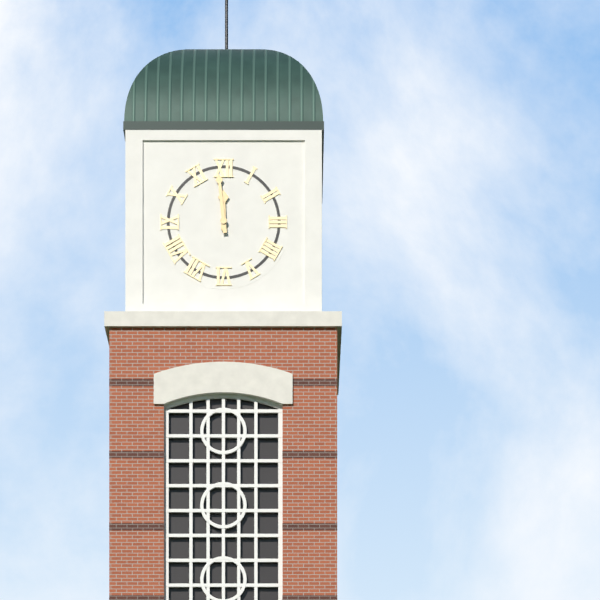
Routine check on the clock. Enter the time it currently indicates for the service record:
11:59
